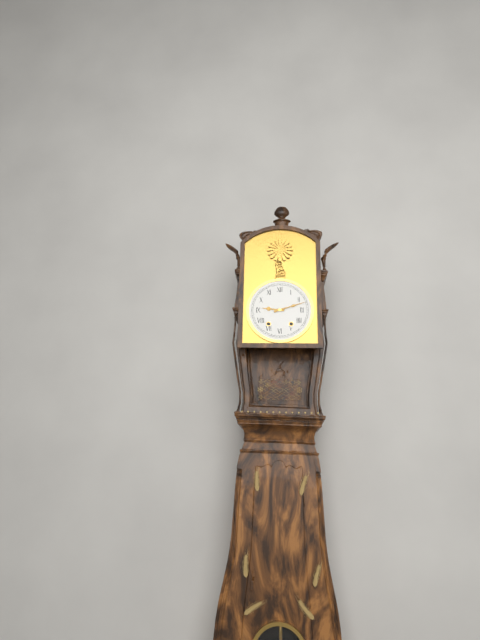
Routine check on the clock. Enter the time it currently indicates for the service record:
9:12
